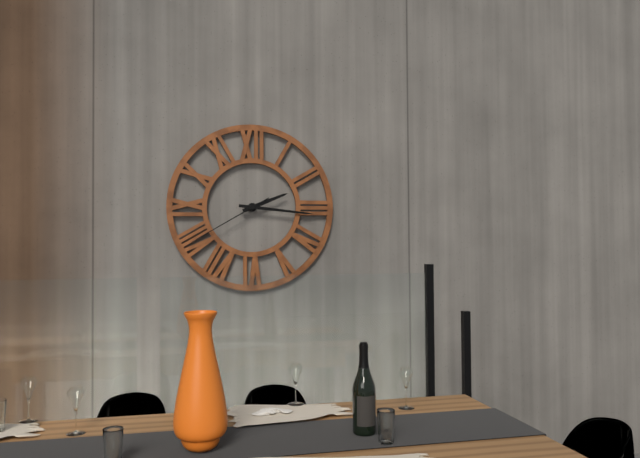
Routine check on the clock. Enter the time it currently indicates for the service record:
2:16:40
